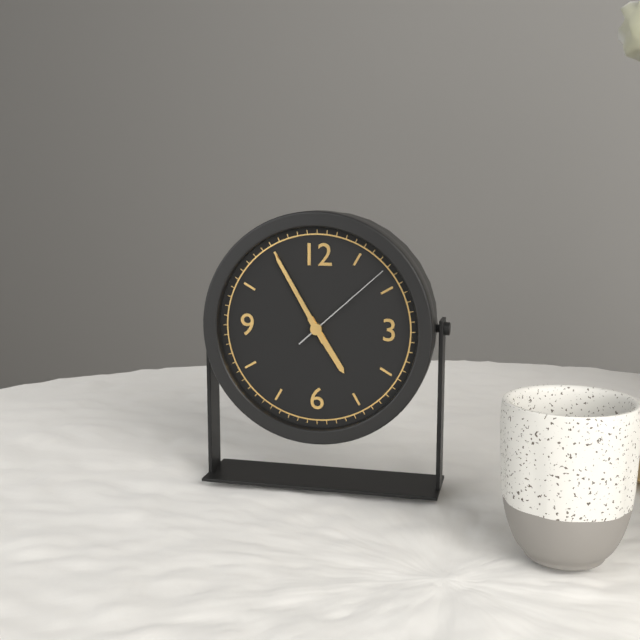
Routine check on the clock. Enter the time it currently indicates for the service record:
4:55:08
